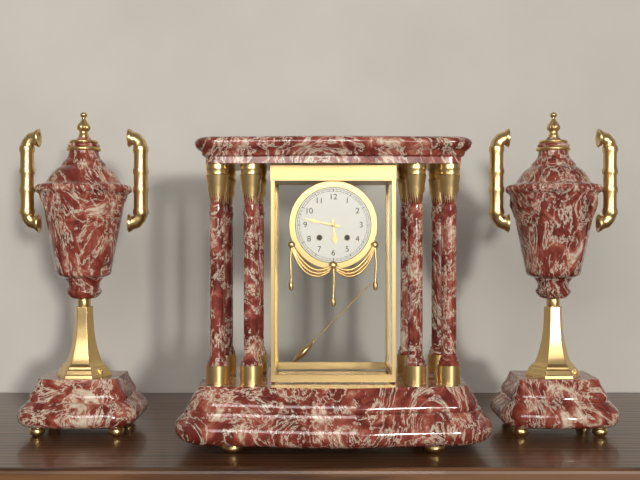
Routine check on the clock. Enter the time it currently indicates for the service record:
5:47
